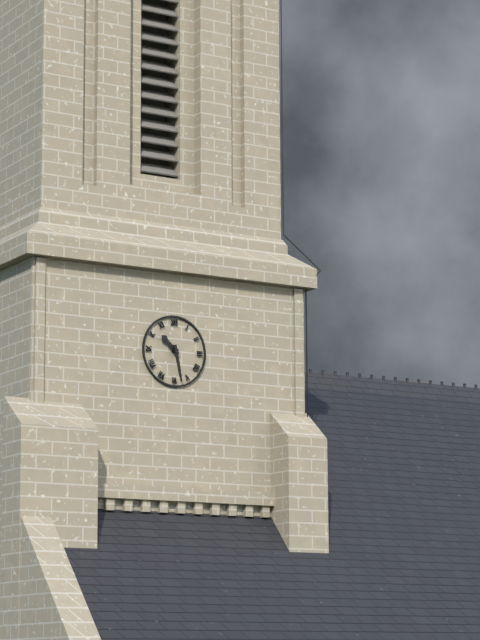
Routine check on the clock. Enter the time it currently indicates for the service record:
10:28
